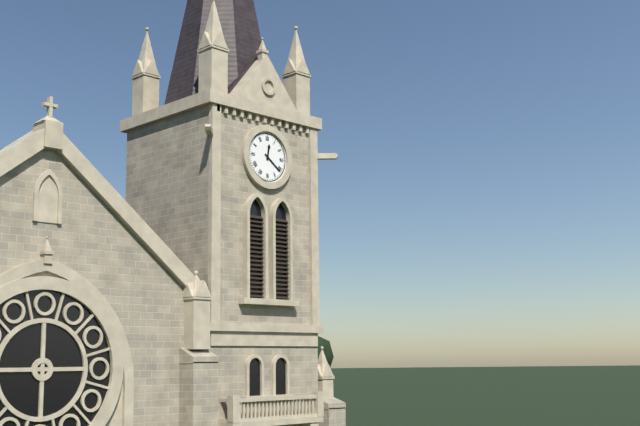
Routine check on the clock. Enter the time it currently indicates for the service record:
12:21
